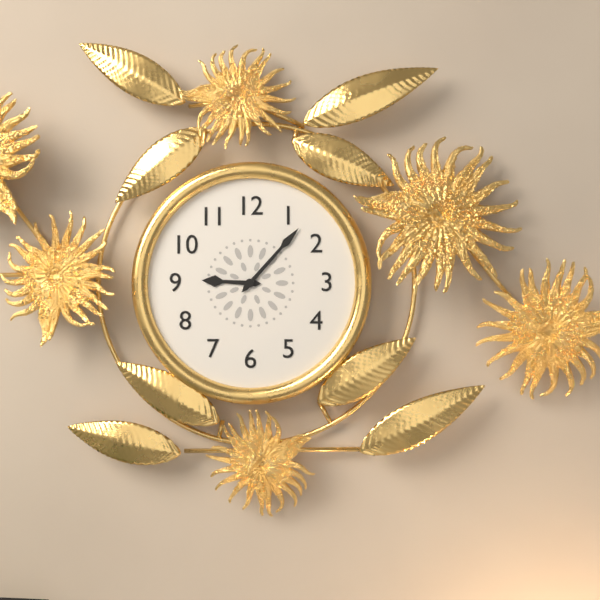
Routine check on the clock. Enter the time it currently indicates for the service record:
9:07
